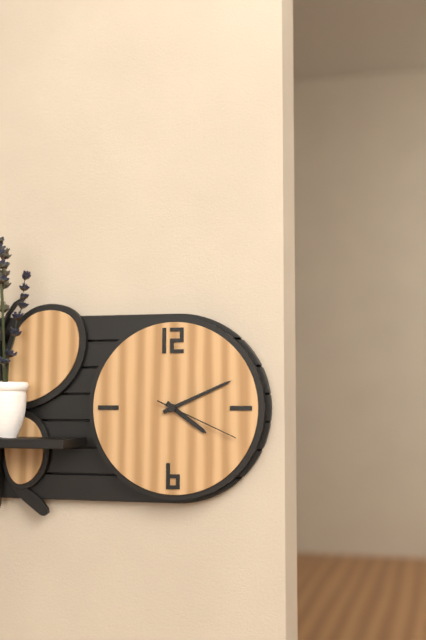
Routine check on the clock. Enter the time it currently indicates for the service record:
4:11:19
